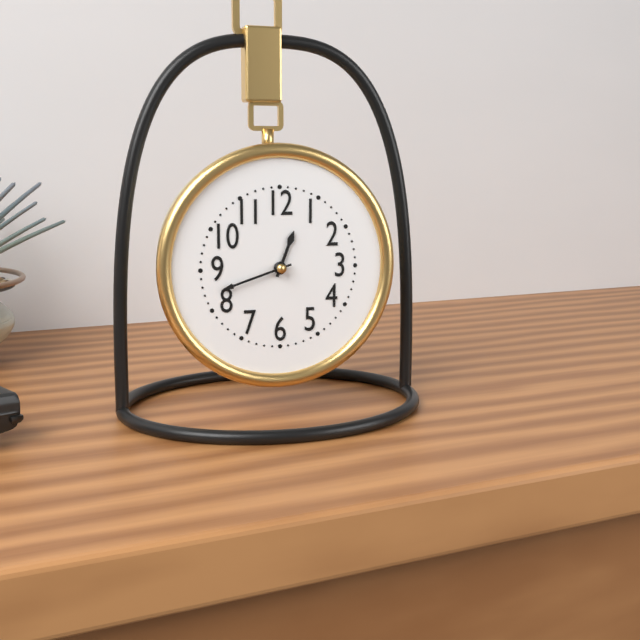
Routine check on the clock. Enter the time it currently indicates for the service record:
12:42
